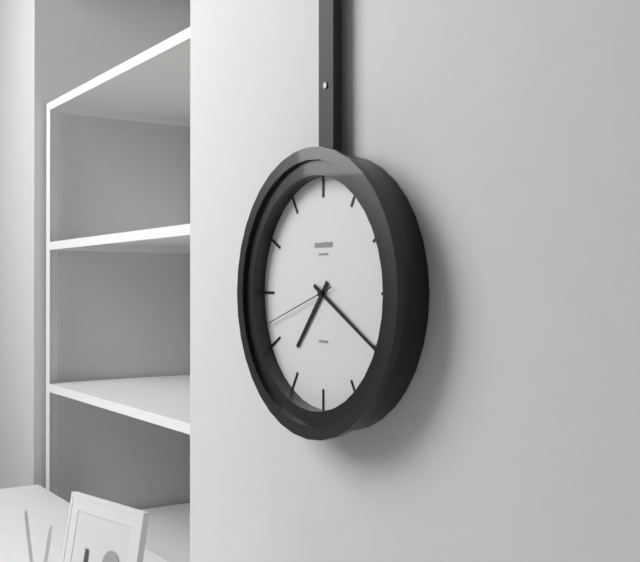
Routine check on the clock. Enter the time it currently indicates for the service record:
7:20:42
